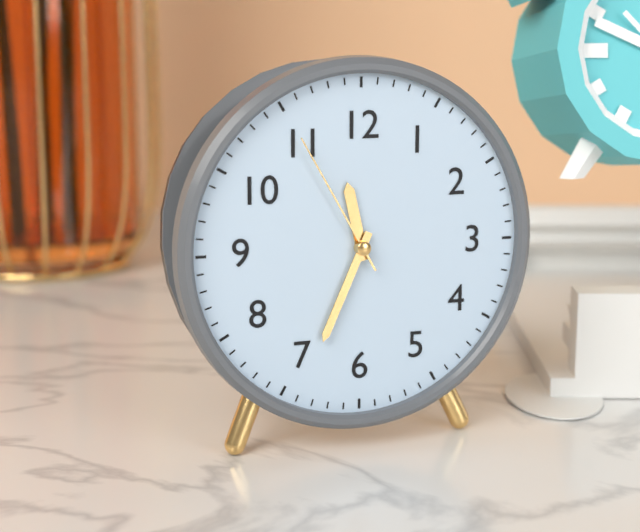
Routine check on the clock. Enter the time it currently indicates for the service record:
11:34:55
